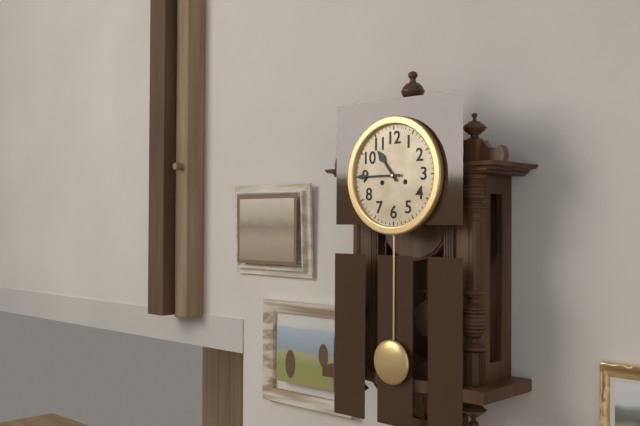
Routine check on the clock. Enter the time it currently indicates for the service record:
10:45
